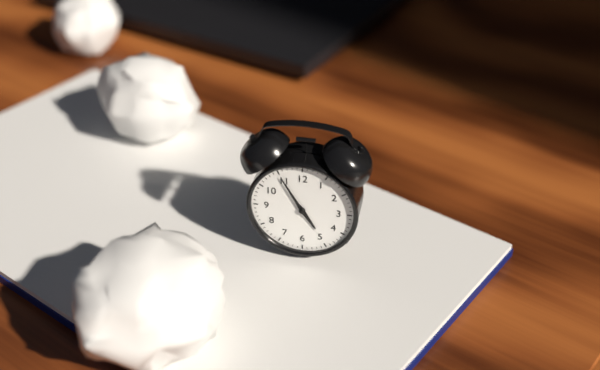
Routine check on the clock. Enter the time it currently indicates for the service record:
4:55
